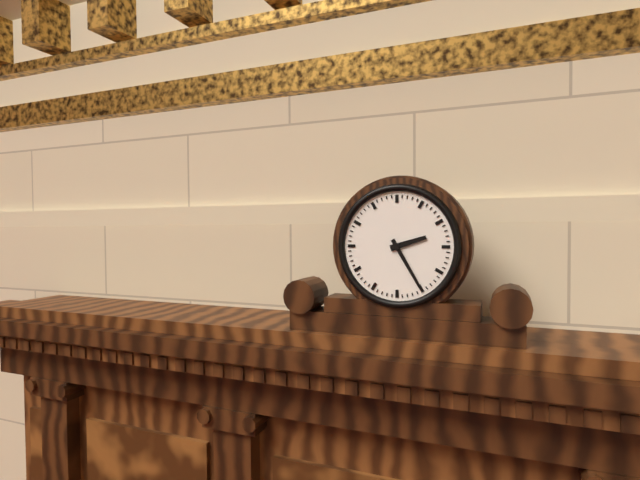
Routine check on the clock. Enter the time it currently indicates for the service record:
2:25
